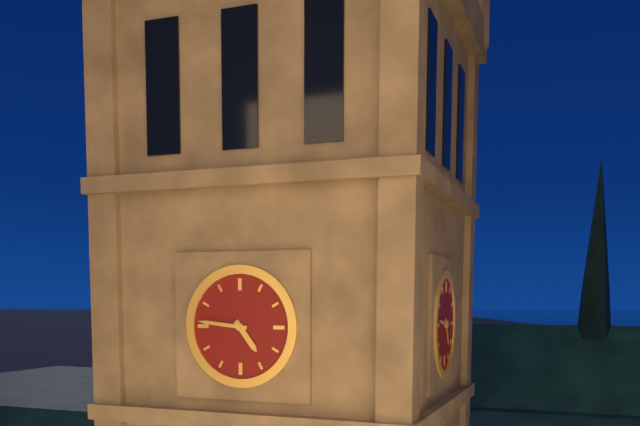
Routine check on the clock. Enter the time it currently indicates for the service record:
4:46
